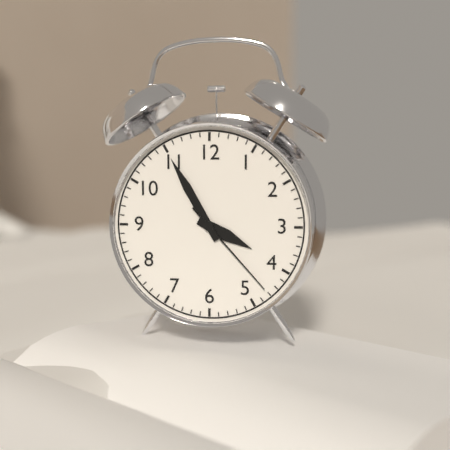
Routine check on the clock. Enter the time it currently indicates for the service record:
3:55:23
